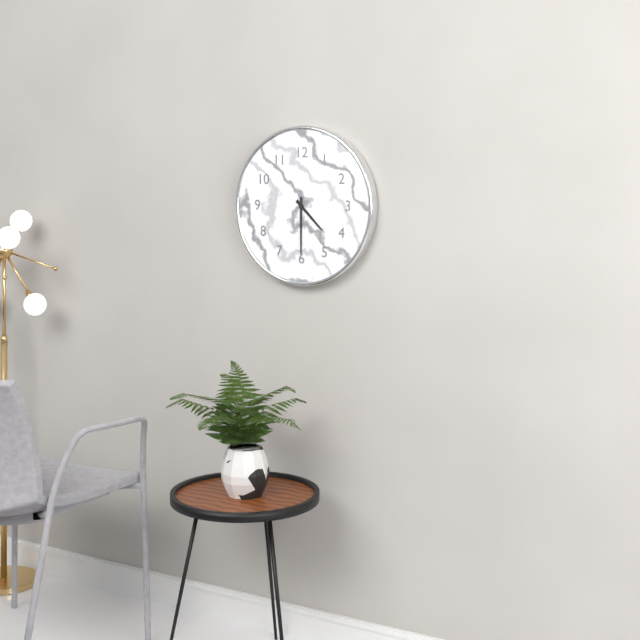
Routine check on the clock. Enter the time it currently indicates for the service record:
4:30
